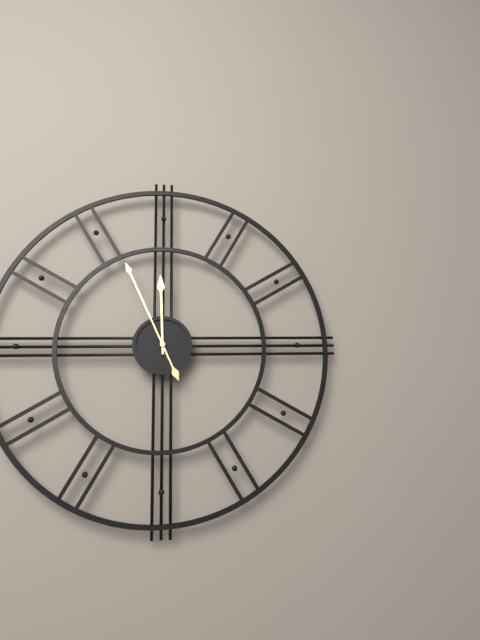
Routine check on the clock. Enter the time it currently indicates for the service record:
11:56
